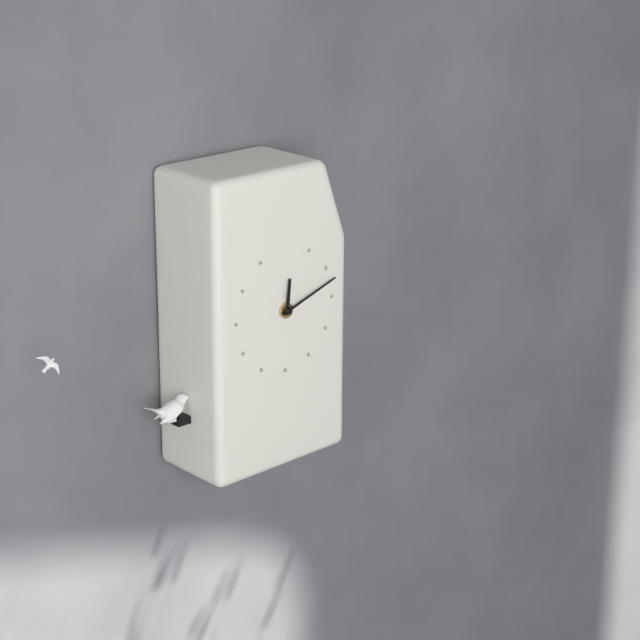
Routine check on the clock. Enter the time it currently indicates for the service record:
12:12
